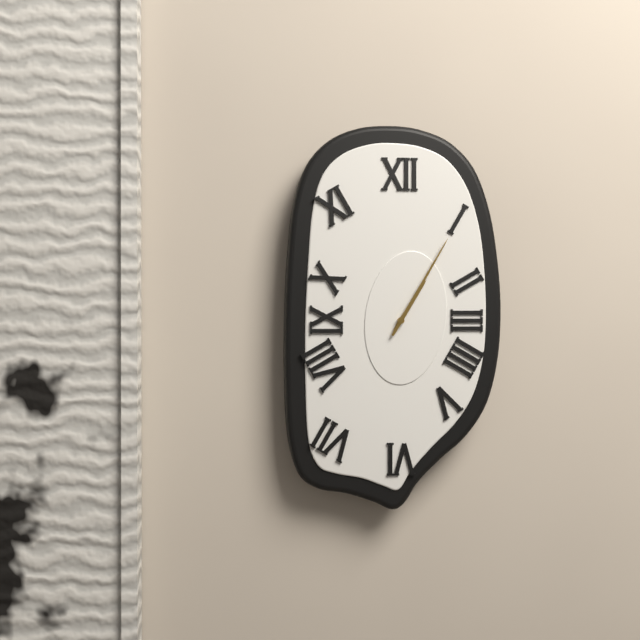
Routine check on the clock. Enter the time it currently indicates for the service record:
1:05
